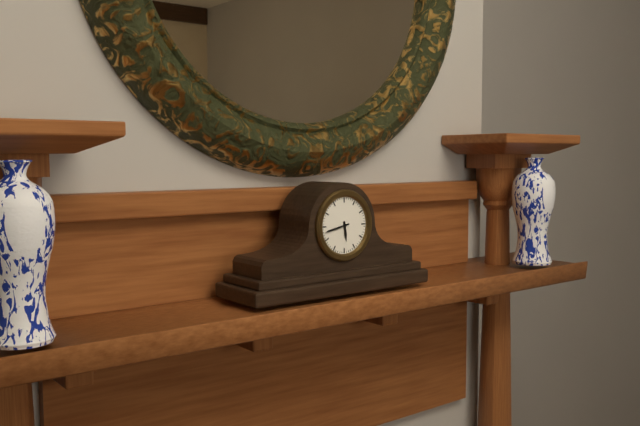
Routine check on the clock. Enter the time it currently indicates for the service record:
5:43
